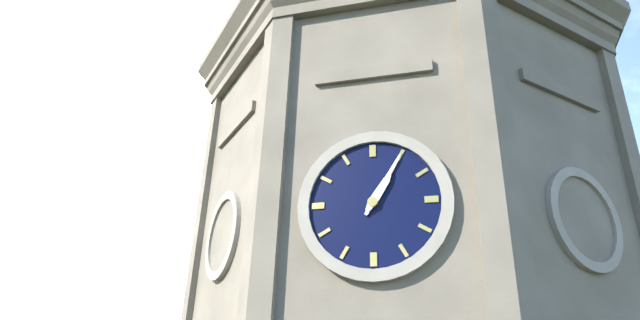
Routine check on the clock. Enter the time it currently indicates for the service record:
1:05
